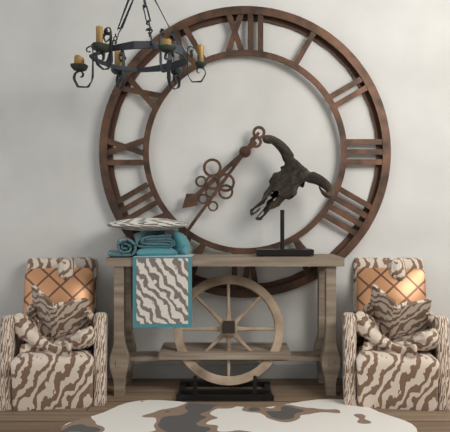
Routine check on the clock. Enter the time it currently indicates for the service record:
7:36
